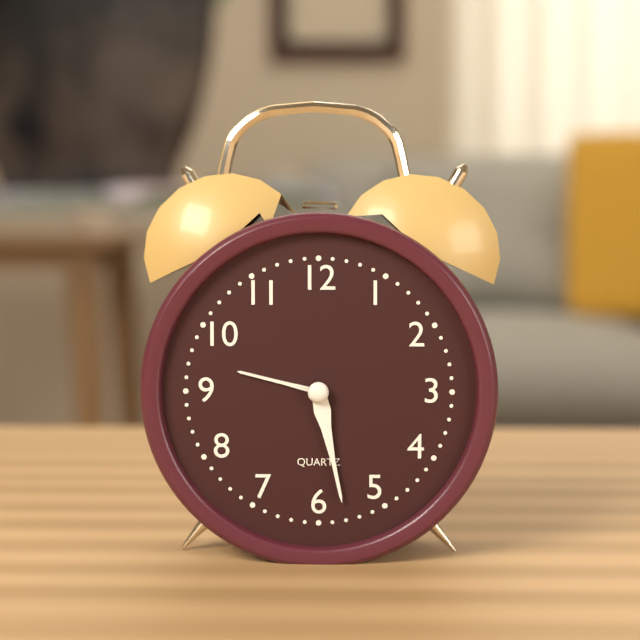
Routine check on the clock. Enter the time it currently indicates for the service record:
9:28
